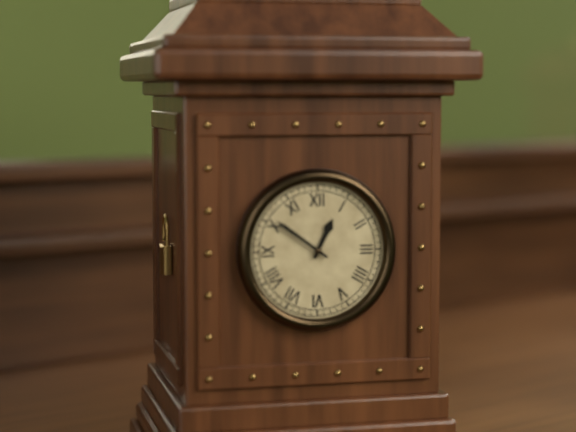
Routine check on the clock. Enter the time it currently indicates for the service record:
12:51
